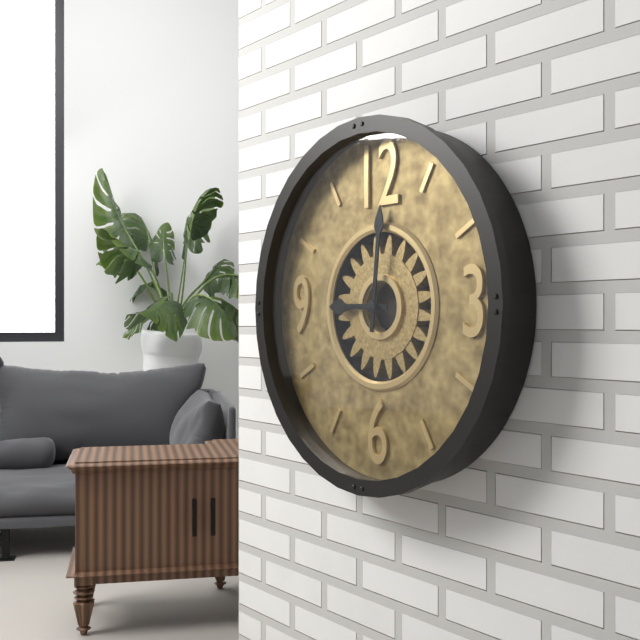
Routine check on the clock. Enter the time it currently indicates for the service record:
9:01
